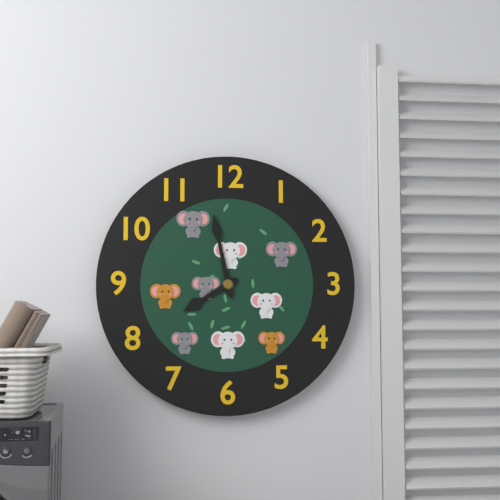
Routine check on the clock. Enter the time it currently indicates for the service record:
7:58
